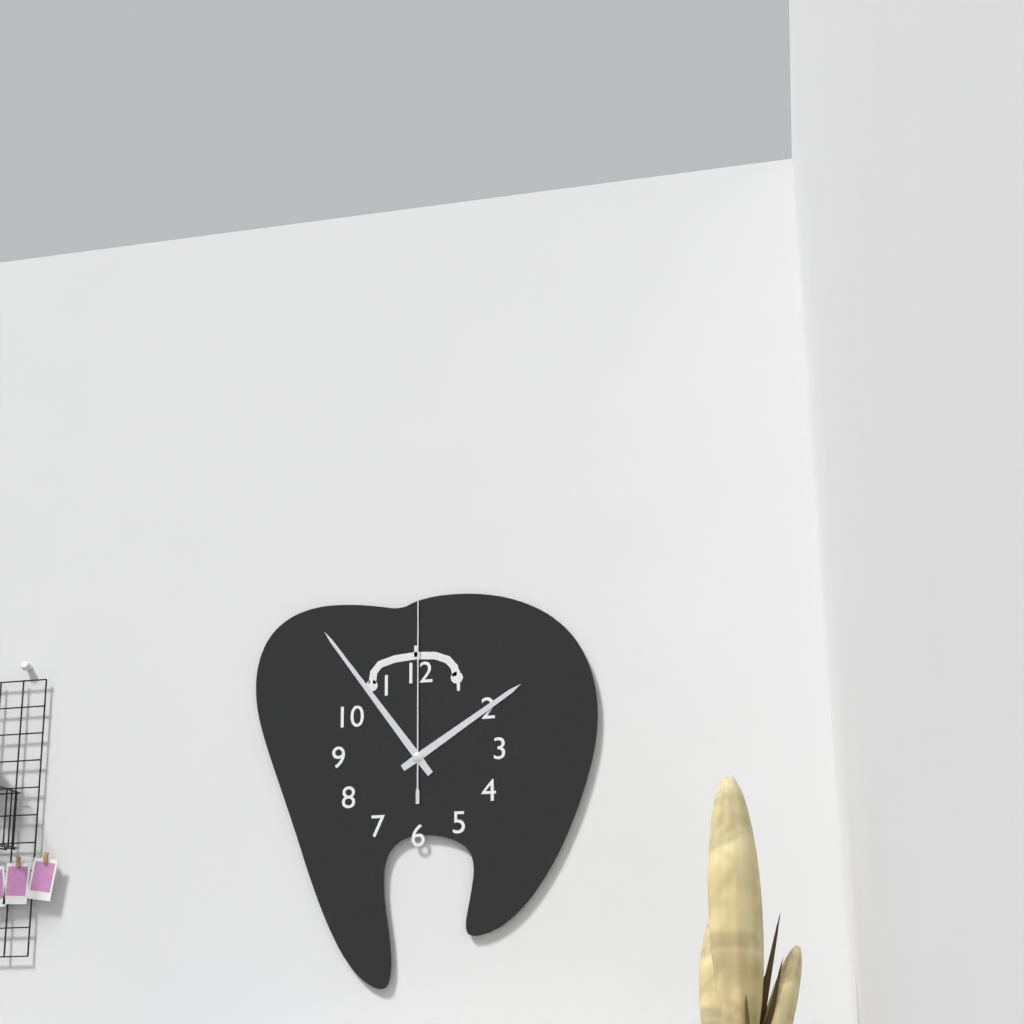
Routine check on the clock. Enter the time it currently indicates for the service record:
1:54:00
